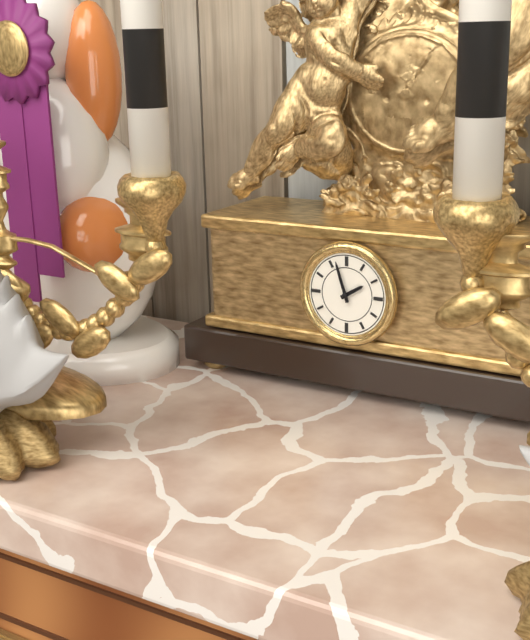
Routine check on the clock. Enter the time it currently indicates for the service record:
1:57
